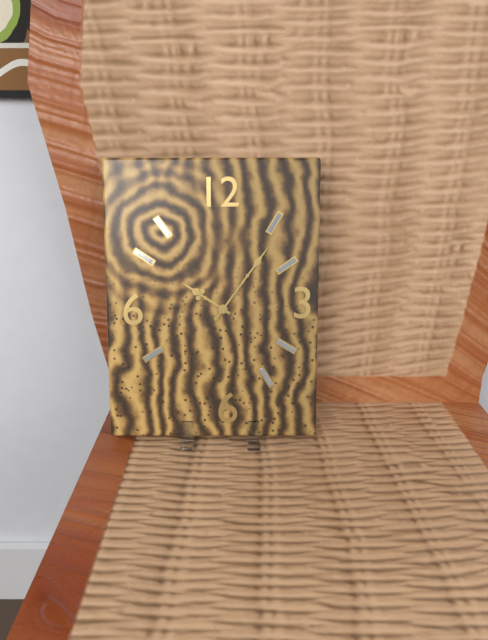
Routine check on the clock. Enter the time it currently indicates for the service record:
10:06
